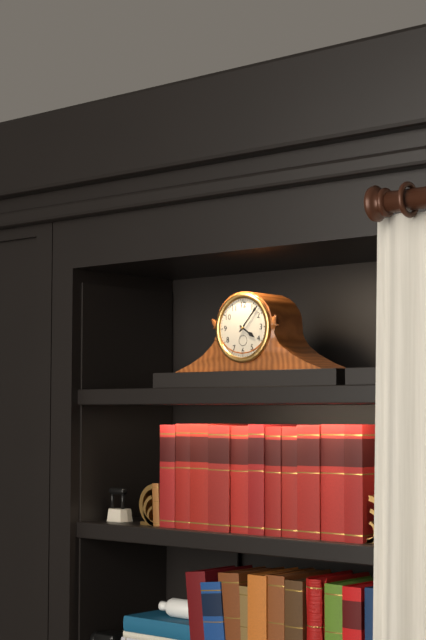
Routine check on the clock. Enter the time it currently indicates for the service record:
4:07
